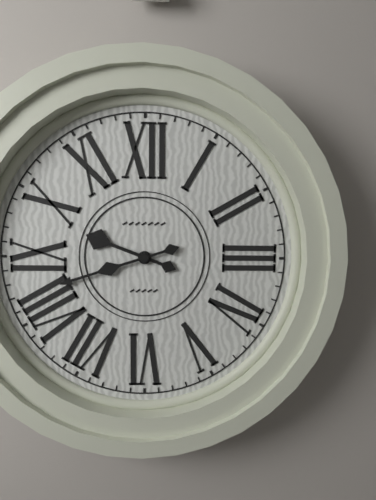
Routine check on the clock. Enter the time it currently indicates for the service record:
9:42
